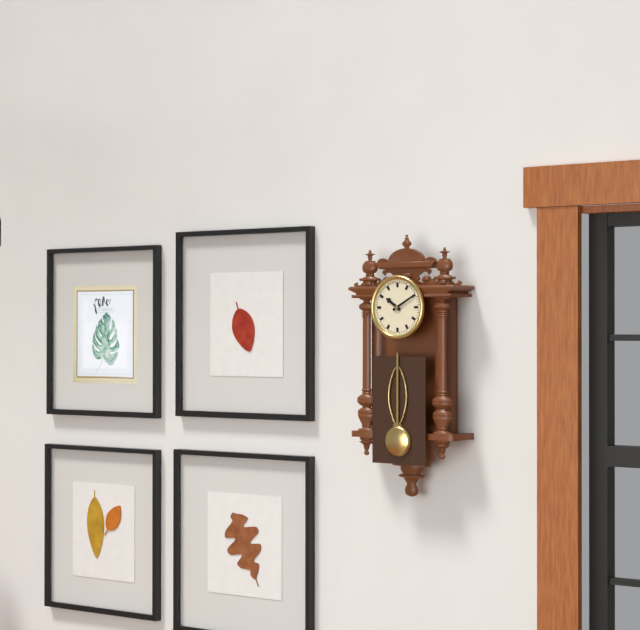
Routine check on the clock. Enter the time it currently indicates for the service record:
10:10
